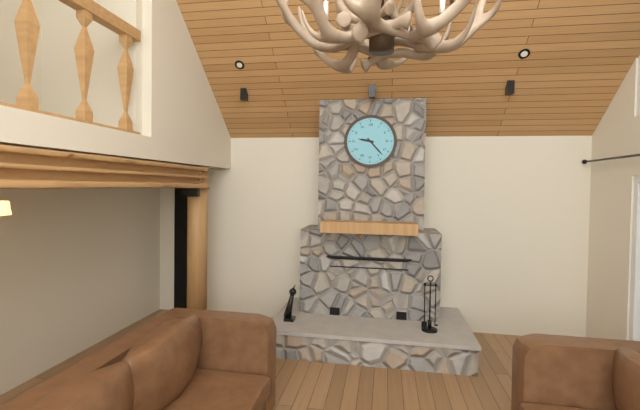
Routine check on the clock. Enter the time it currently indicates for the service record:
9:23
